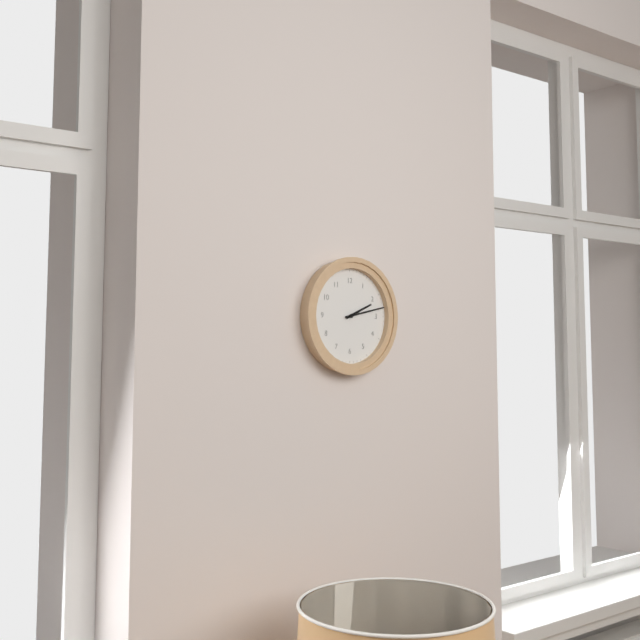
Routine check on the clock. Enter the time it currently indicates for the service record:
2:13
